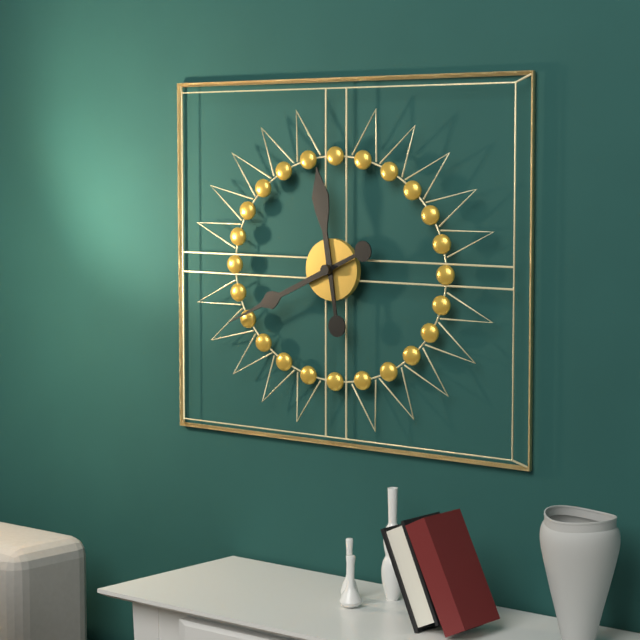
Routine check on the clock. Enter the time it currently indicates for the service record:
11:41
